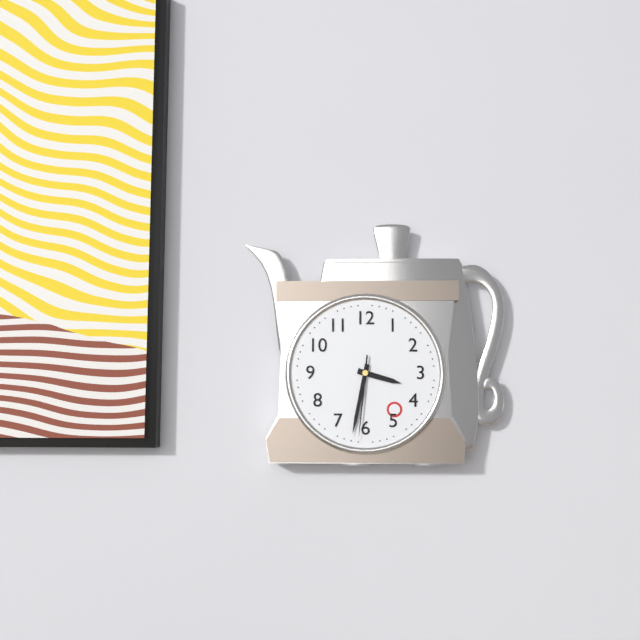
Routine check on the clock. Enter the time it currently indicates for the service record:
3:32:31
